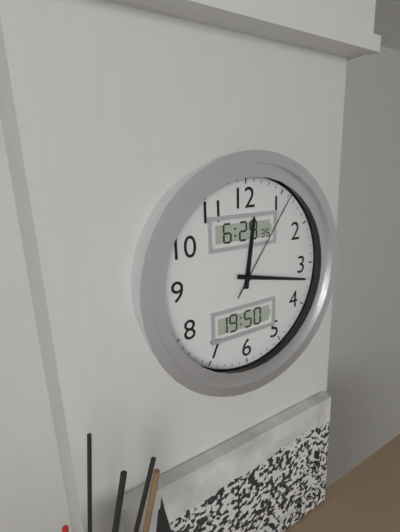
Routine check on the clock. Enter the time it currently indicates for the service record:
12:17:06
